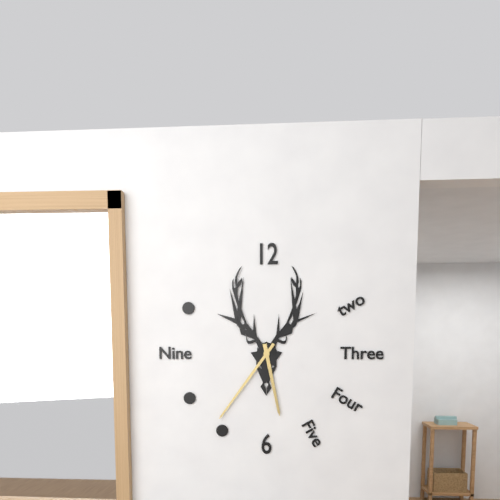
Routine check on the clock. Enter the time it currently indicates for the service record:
5:36
